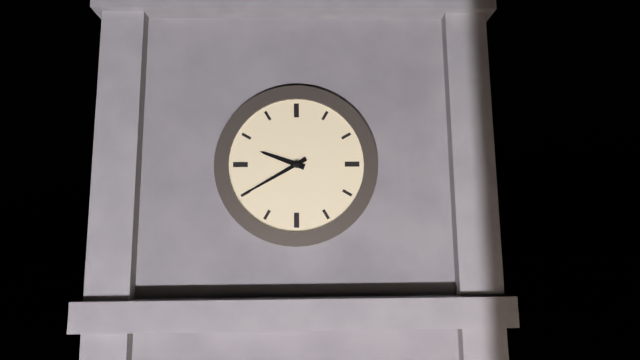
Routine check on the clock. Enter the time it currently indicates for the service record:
9:40
